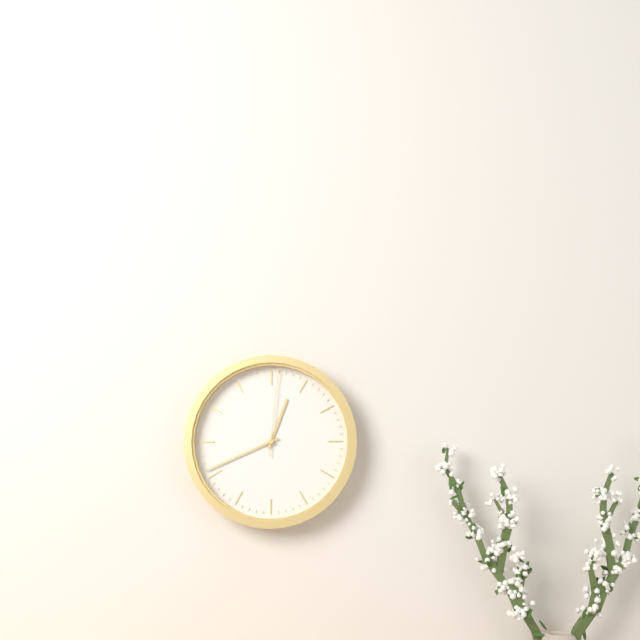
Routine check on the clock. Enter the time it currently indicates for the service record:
12:41:01
